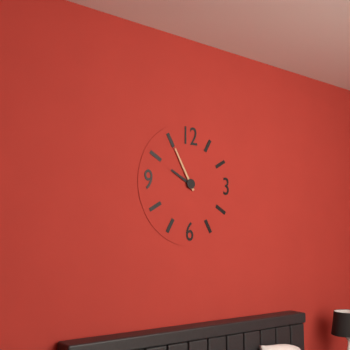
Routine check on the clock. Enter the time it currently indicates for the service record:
9:55
